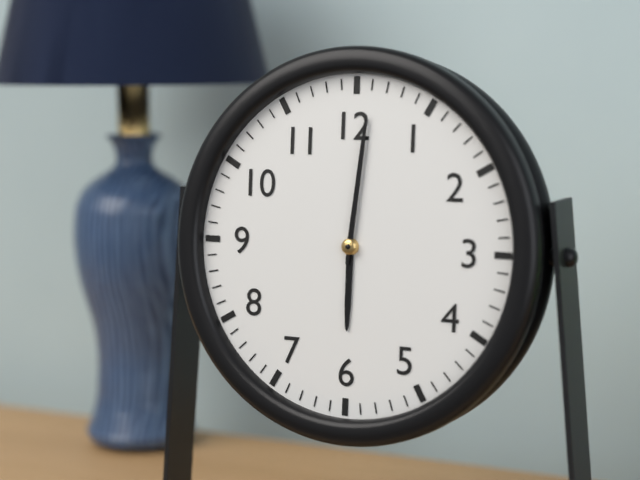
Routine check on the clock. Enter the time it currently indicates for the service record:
6:01
